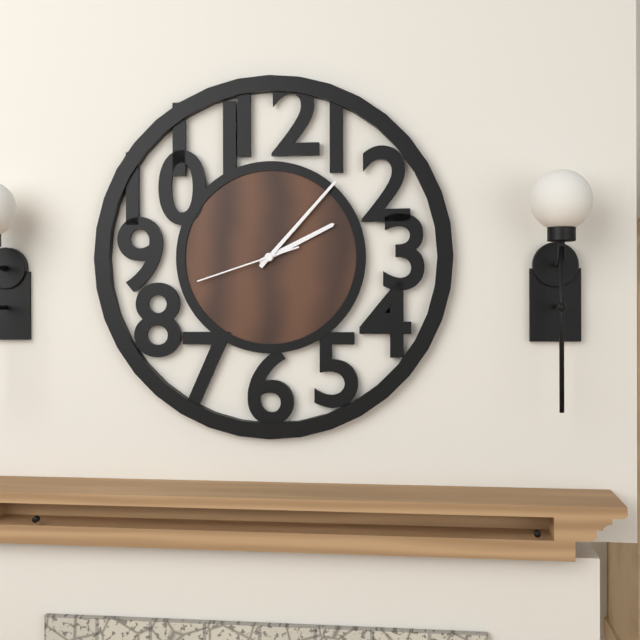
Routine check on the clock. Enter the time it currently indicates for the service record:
2:07:42
